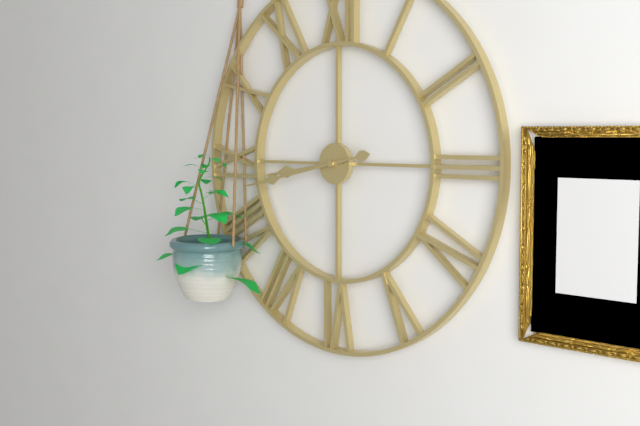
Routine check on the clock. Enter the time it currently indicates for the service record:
8:43
